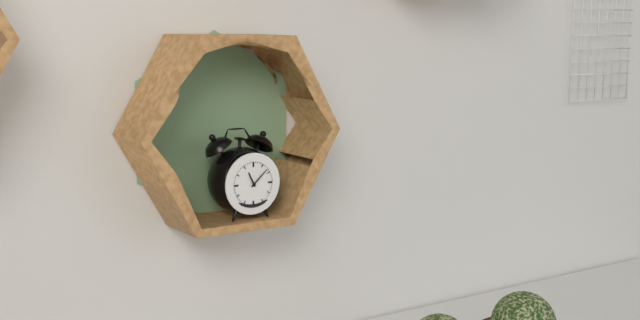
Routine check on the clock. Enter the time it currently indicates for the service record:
11:08
